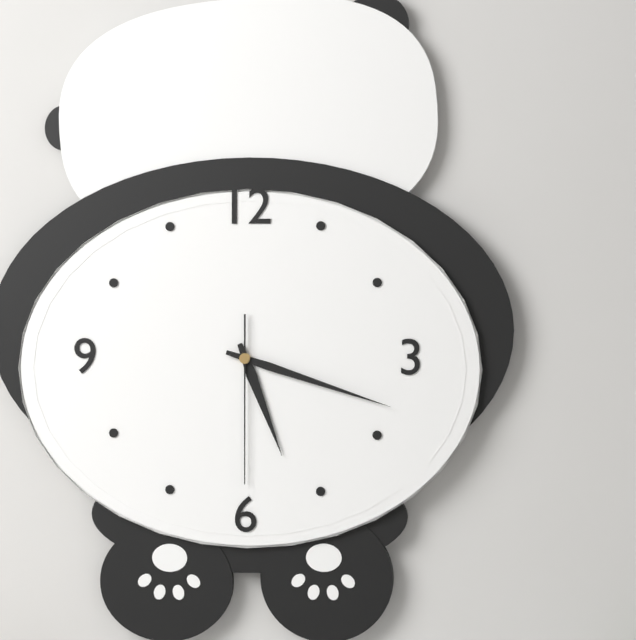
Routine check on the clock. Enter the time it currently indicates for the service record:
5:18:30
